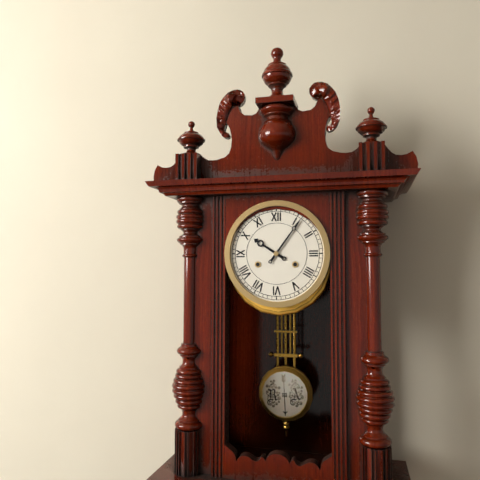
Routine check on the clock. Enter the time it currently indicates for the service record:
10:06
